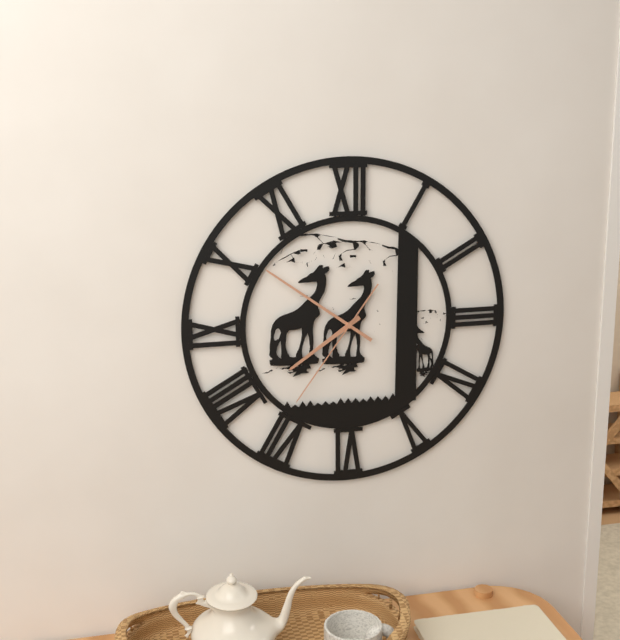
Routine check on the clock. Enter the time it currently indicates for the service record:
7:51:36
